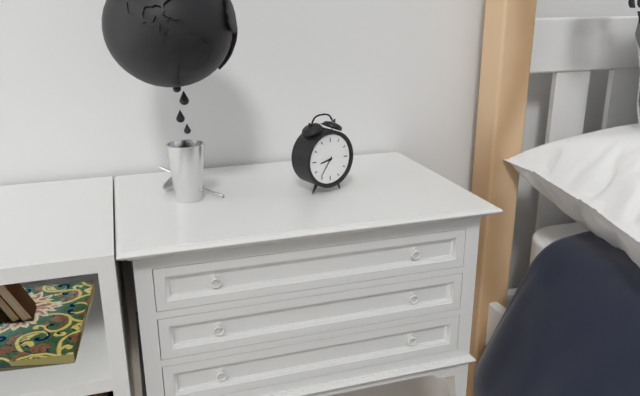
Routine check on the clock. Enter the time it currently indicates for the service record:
8:36
